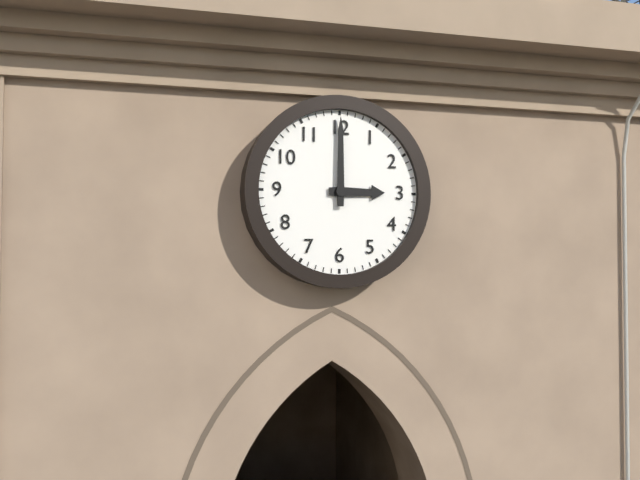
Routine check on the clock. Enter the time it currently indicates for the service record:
3:00
